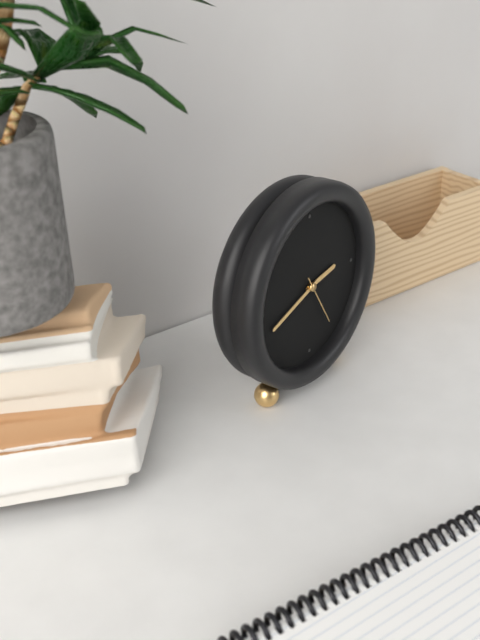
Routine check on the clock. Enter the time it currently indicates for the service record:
2:42
